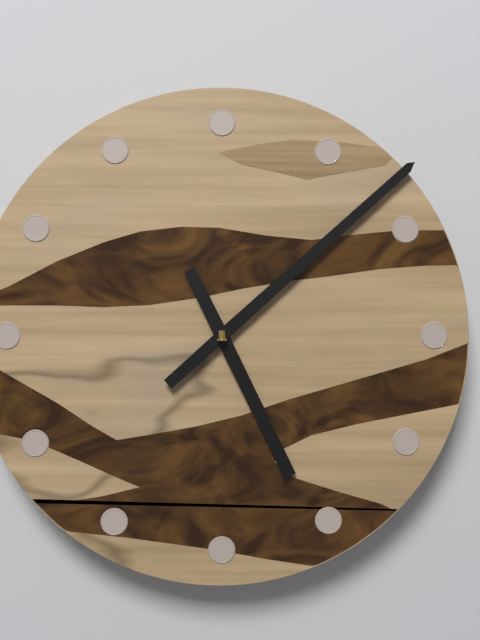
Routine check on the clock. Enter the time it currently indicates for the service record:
5:08
